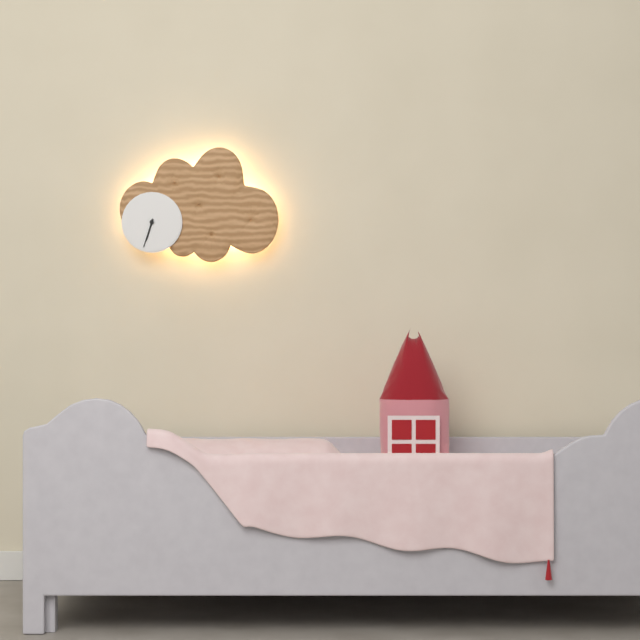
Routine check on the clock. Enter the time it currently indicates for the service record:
6:33
